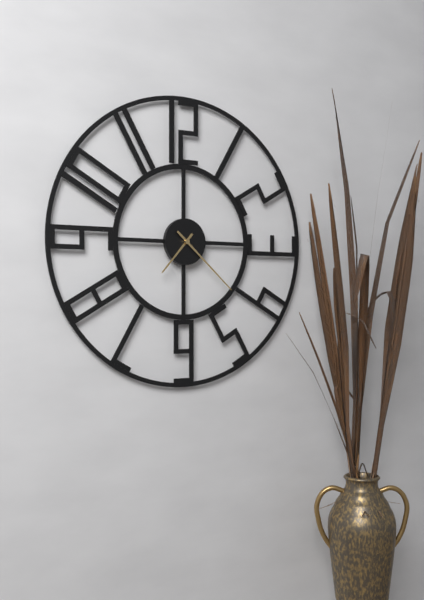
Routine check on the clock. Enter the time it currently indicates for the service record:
7:22
